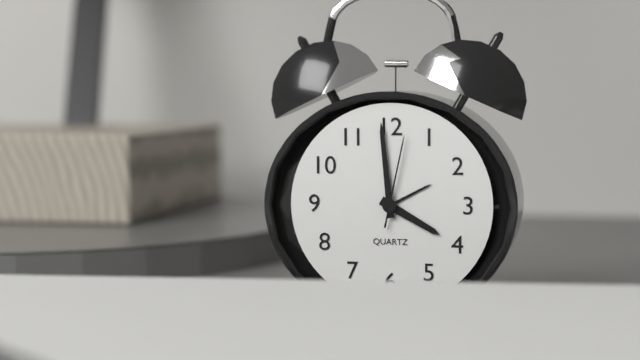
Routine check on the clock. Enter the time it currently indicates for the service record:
3:59:02
